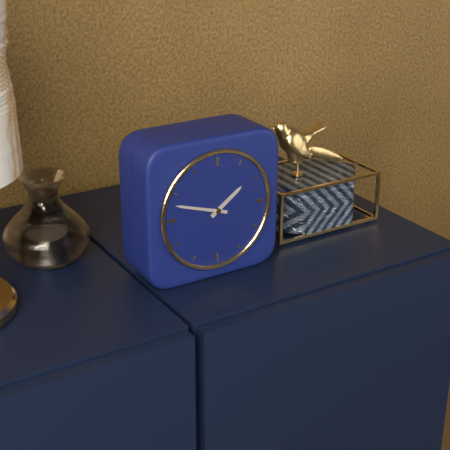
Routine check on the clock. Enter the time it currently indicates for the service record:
1:48
